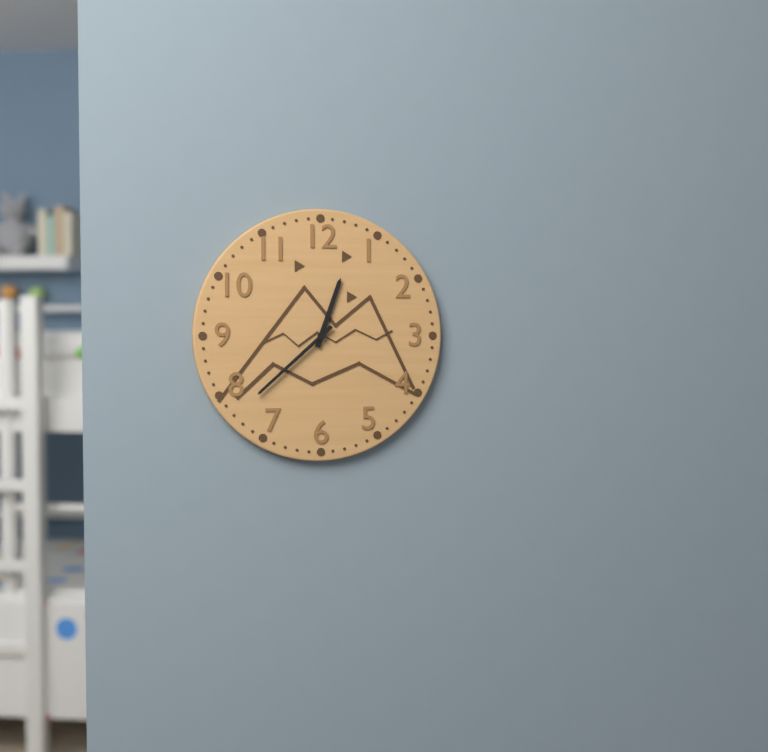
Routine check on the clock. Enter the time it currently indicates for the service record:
12:38
